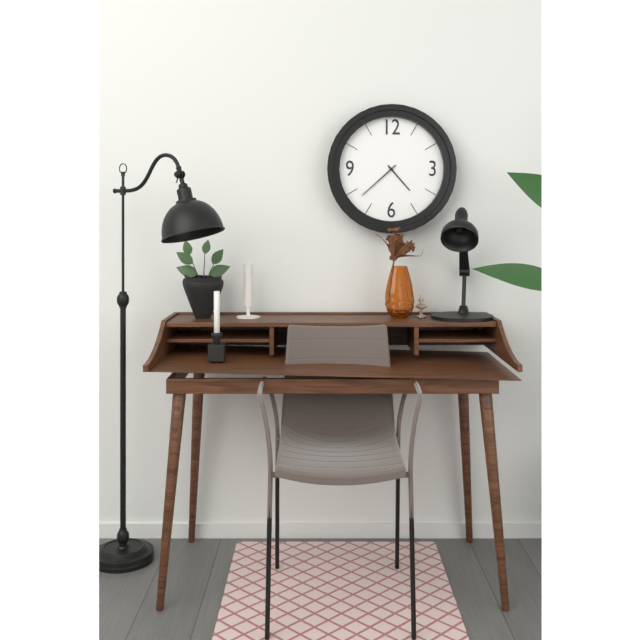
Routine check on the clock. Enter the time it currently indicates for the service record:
4:38
